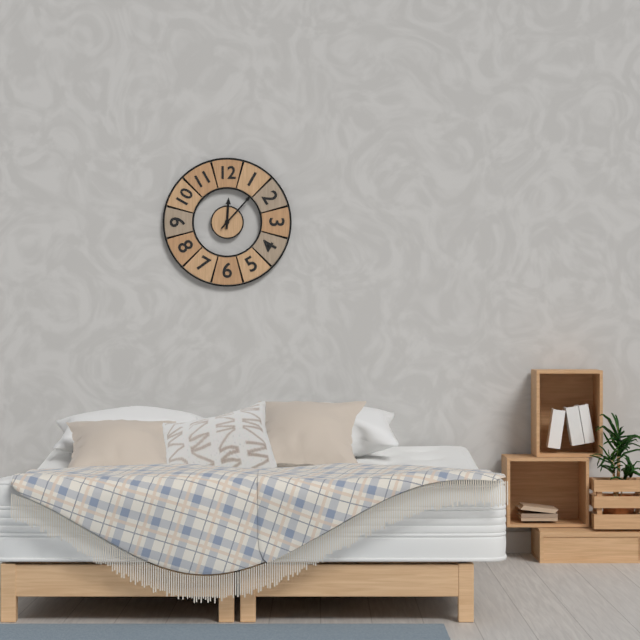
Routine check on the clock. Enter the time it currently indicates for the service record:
12:07
